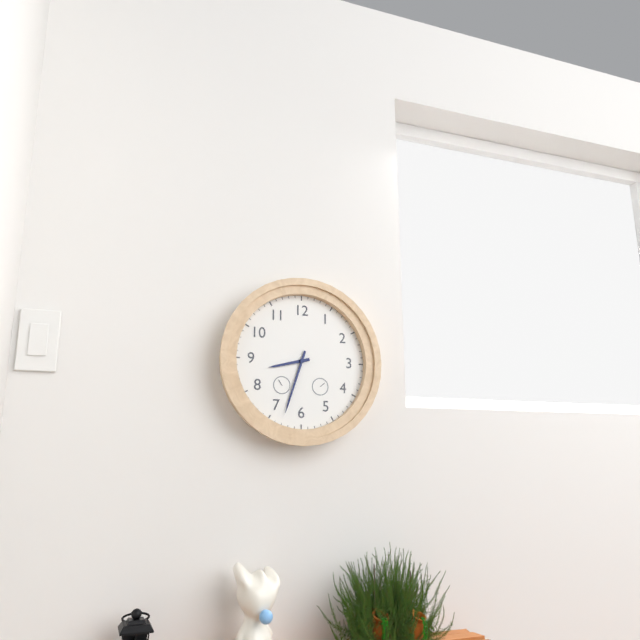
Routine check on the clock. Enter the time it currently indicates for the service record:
8:33
